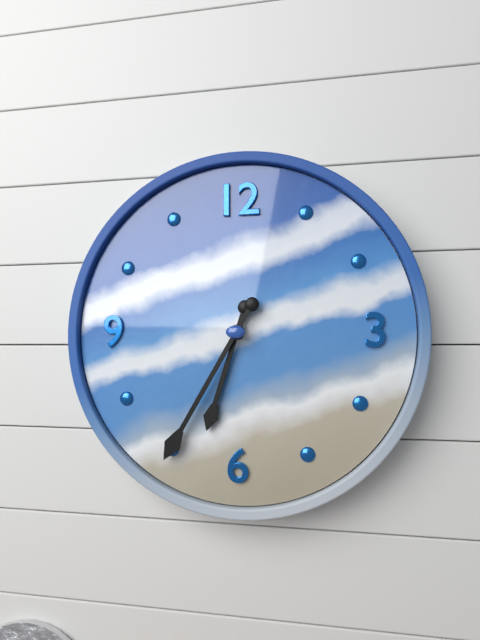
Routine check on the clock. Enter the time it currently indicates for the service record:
6:35
